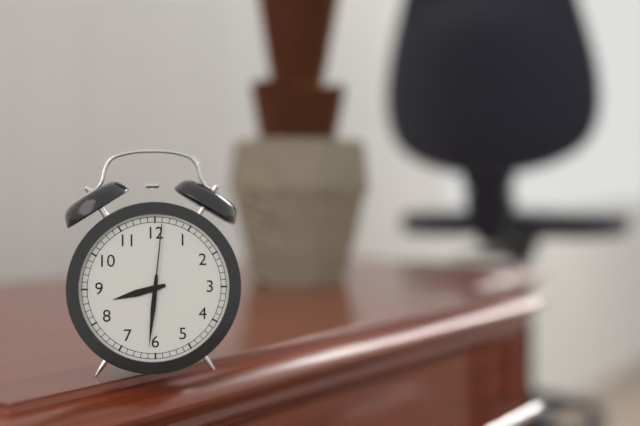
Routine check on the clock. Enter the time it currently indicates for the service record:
8:31:01
